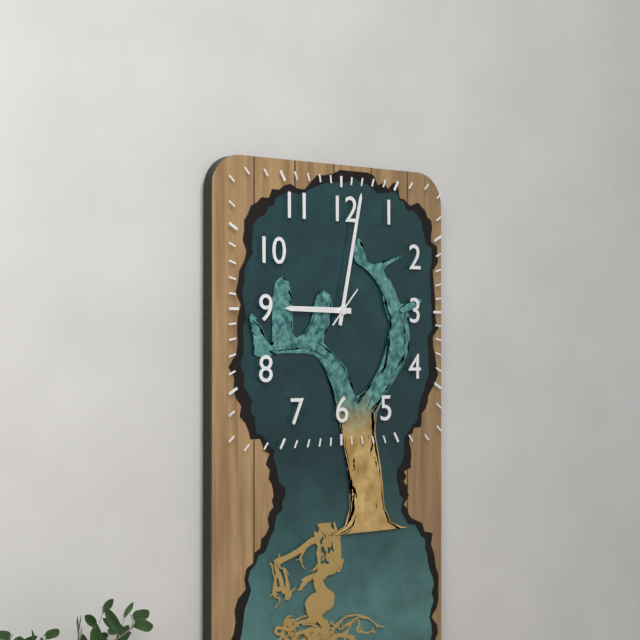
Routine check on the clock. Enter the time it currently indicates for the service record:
9:02:07
